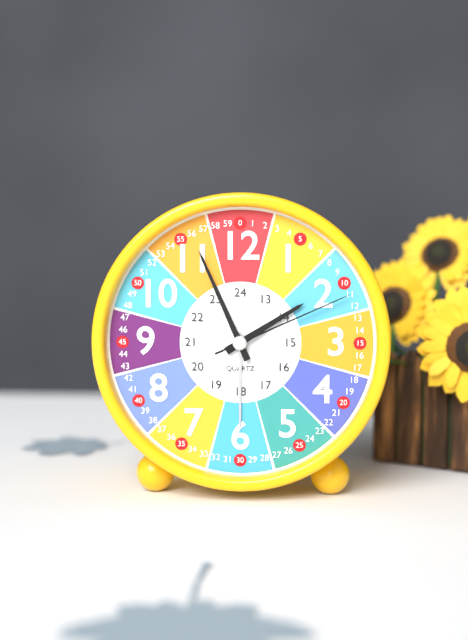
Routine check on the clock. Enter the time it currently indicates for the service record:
1:56:11
